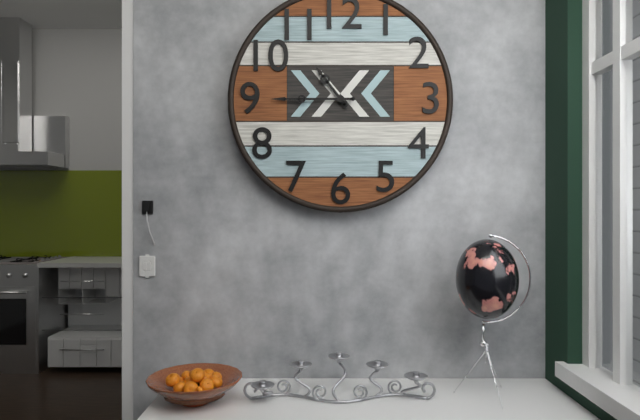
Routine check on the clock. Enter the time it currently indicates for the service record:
10:45
